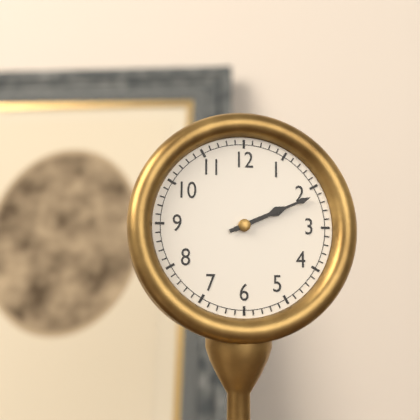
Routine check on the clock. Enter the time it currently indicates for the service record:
2:11
